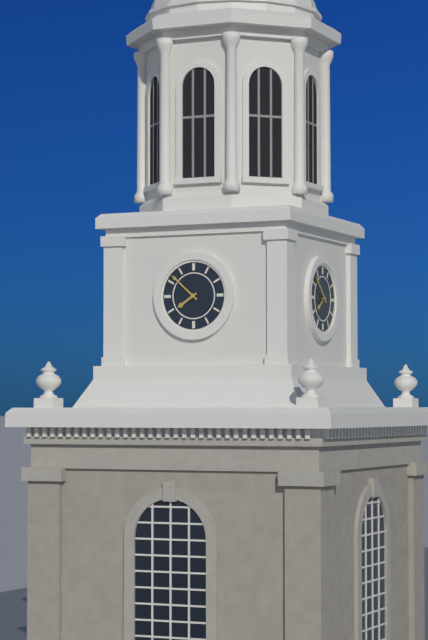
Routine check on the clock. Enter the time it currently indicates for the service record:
7:52
